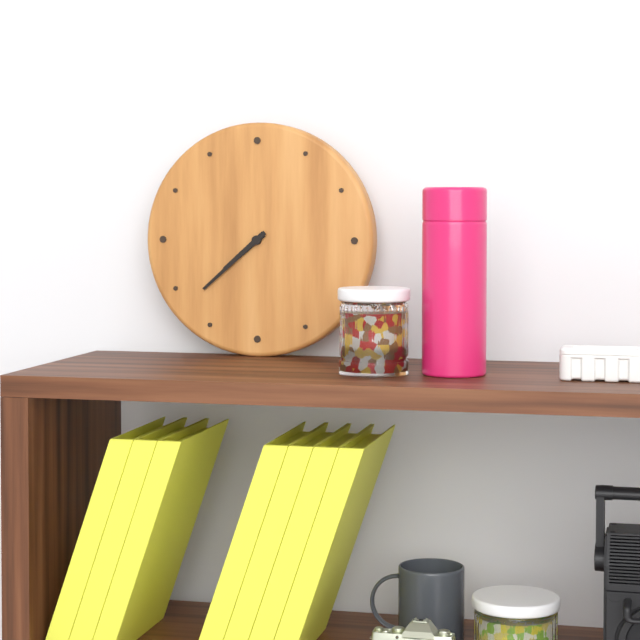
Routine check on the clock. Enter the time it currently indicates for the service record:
7:38
